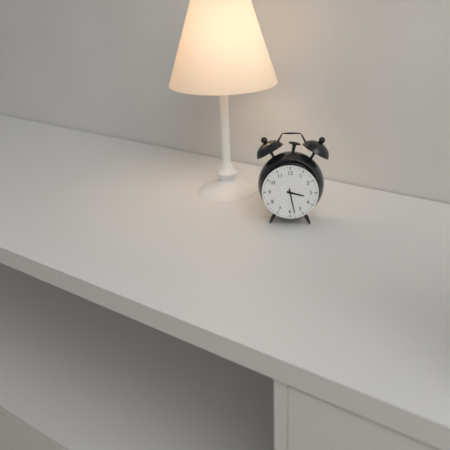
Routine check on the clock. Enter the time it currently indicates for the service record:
3:28
